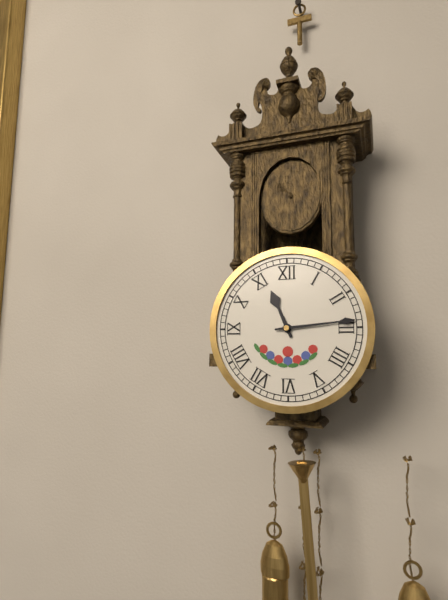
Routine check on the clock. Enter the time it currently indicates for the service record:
11:14
